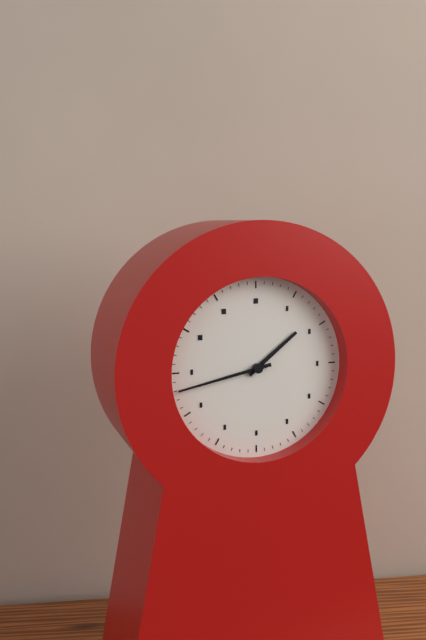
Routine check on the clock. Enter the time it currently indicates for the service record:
1:43
